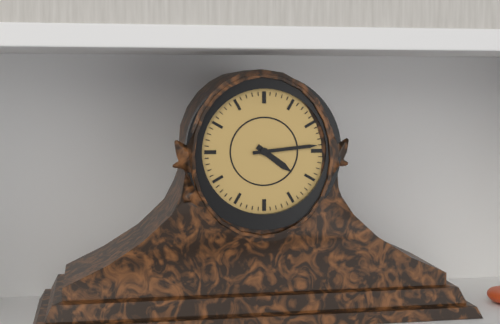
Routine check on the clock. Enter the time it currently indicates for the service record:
4:14
